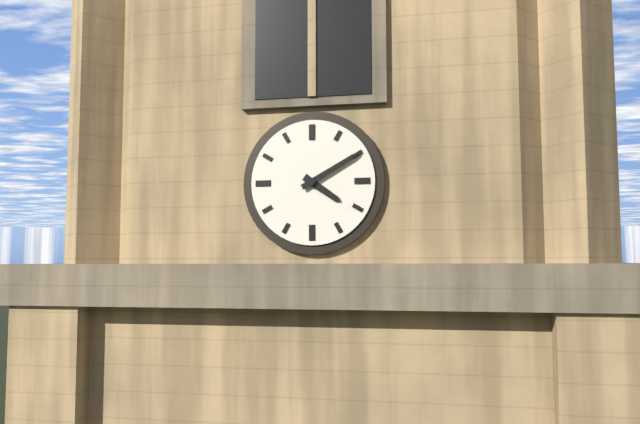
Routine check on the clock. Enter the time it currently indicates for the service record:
4:10
